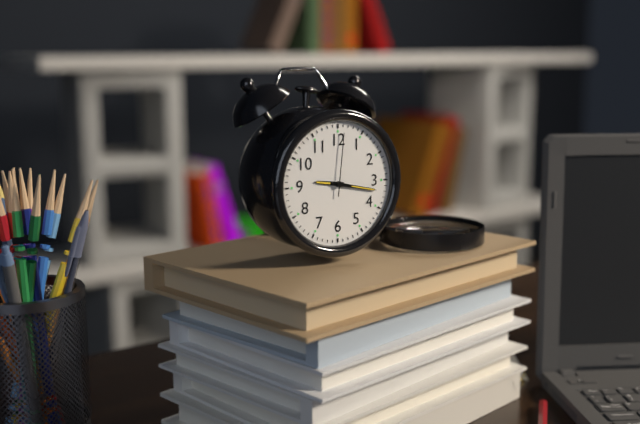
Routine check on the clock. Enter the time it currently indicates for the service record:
9:17:01
